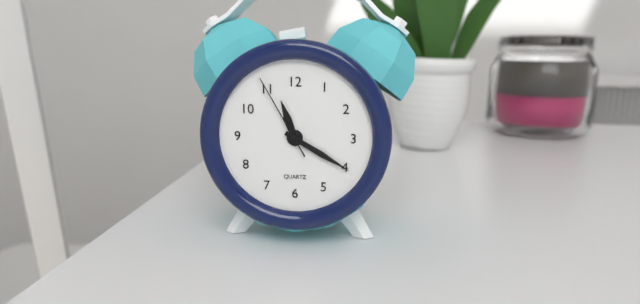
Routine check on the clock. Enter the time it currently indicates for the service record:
11:20:55
